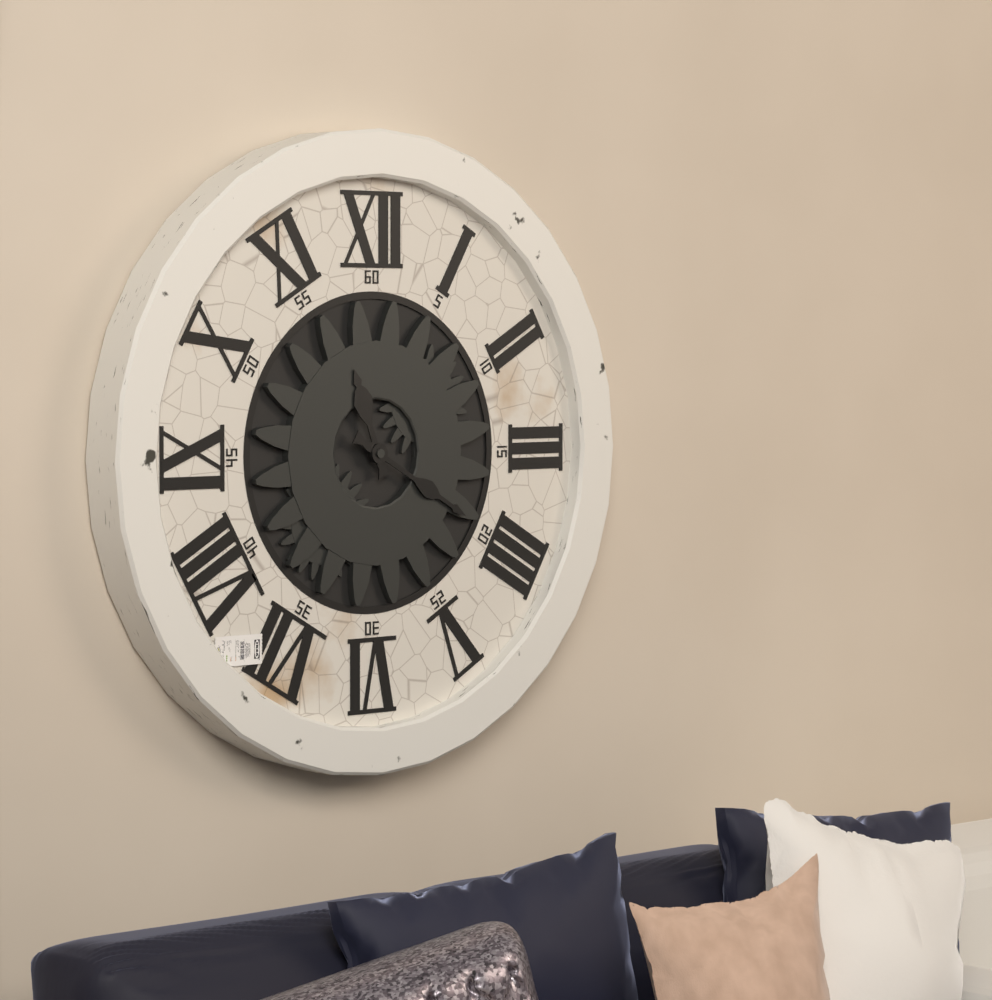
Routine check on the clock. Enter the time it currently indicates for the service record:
11:20
